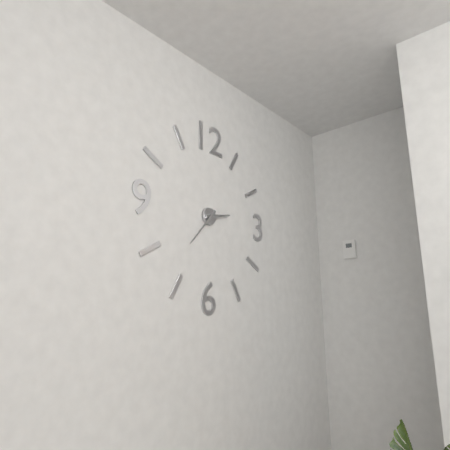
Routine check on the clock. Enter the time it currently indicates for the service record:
2:37
